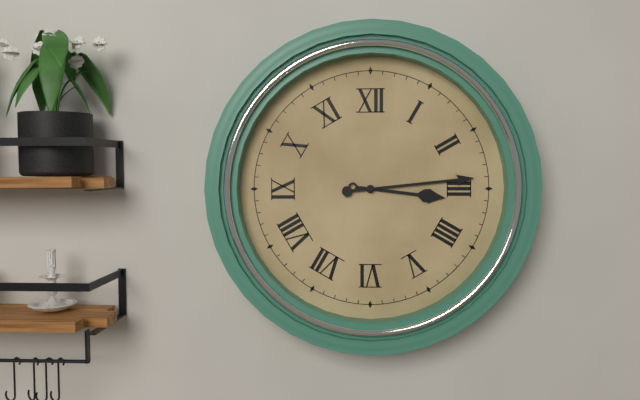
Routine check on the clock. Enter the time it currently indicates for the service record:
3:14
